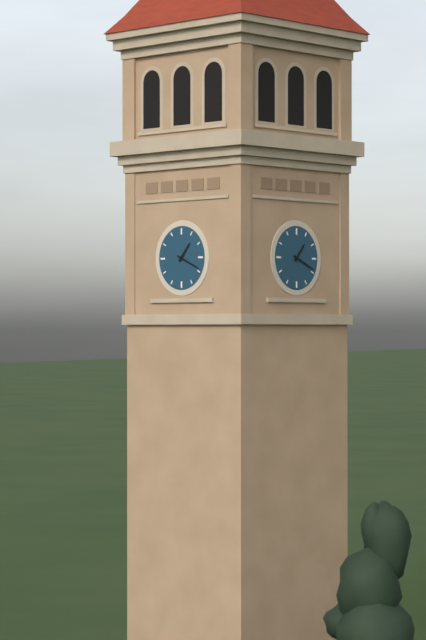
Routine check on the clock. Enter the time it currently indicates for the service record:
1:19
